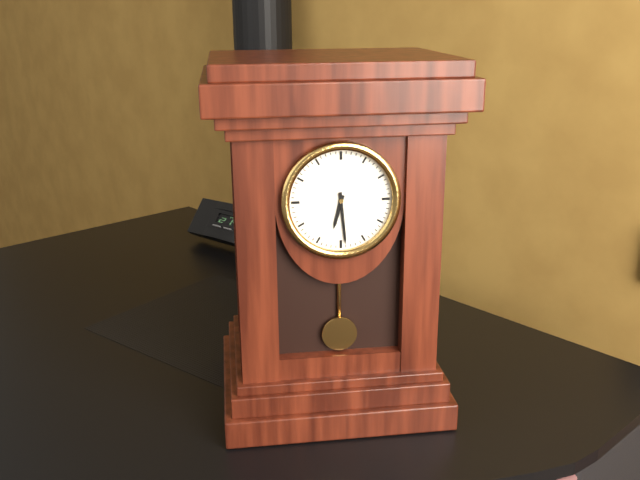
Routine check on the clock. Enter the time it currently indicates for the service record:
6:29
